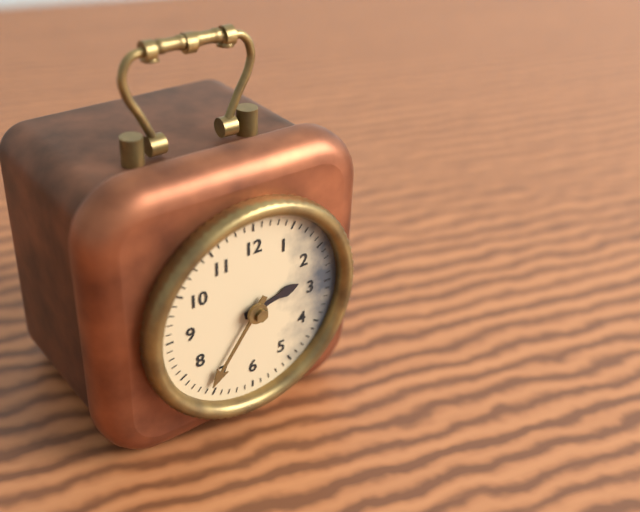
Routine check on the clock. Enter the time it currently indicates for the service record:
2:36
